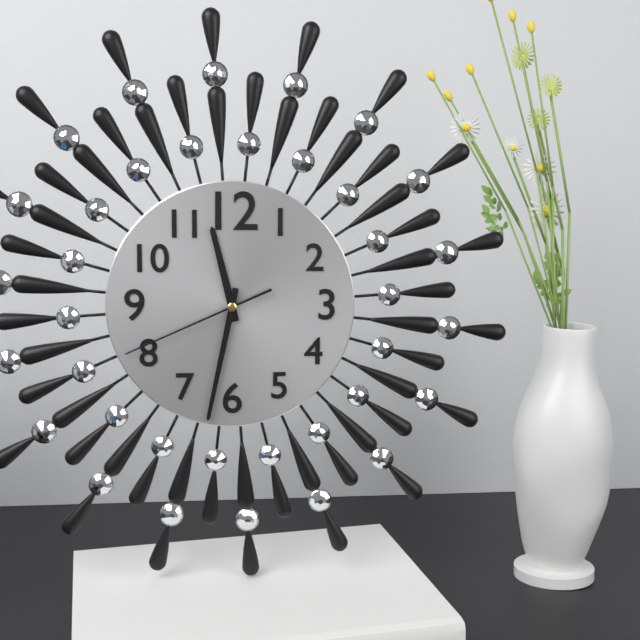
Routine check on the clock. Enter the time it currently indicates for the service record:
11:32:41
